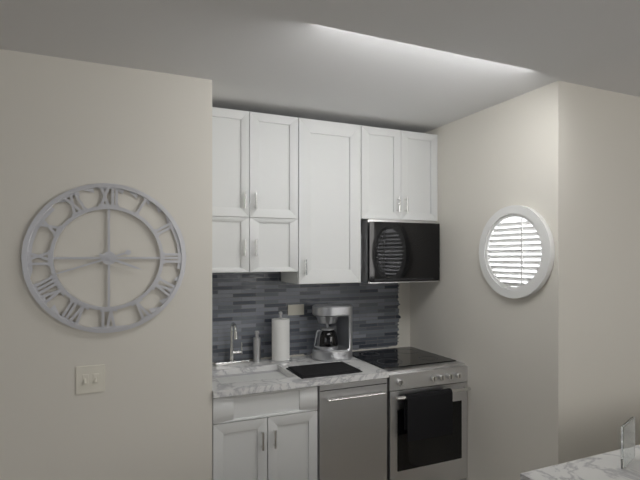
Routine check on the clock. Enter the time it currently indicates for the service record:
3:42
